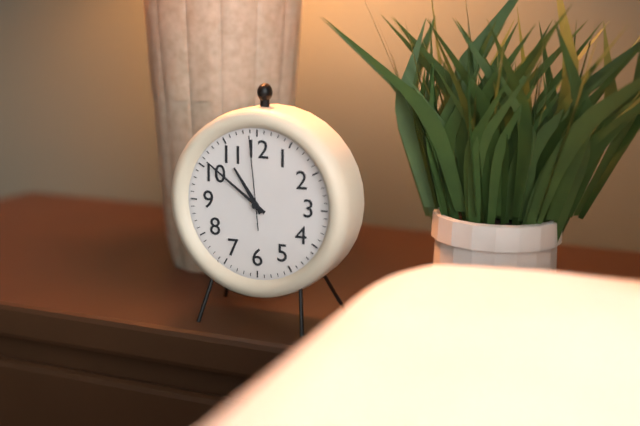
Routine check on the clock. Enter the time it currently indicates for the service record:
10:51:59
